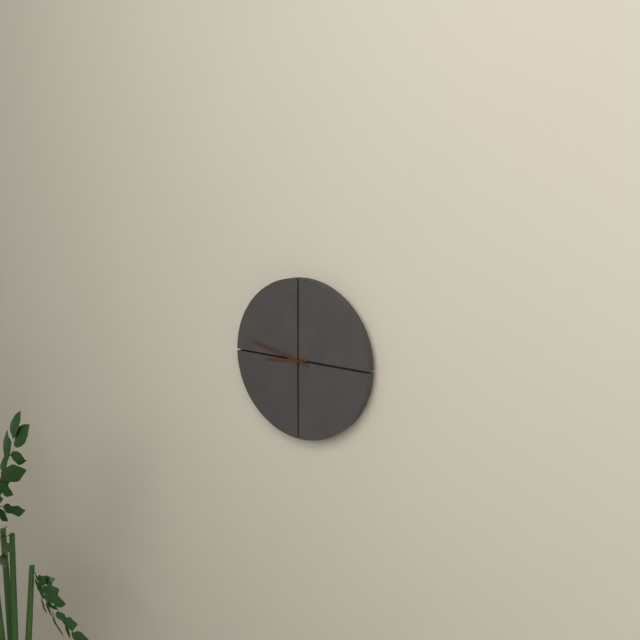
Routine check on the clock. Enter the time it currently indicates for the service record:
8:47
